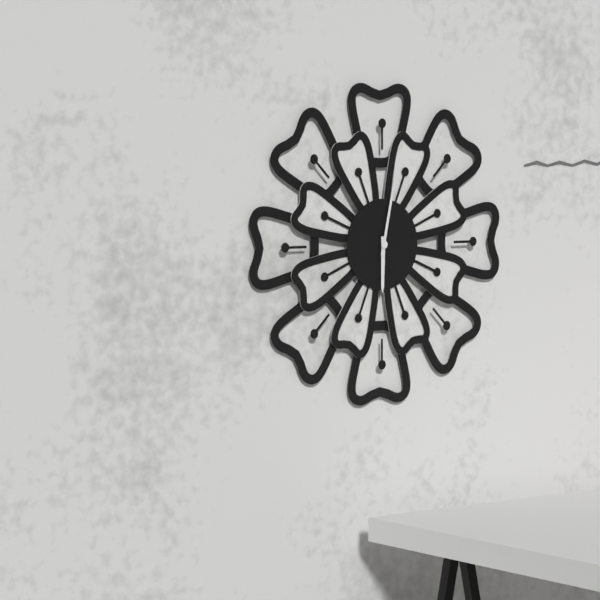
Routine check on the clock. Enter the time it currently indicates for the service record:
6:02
